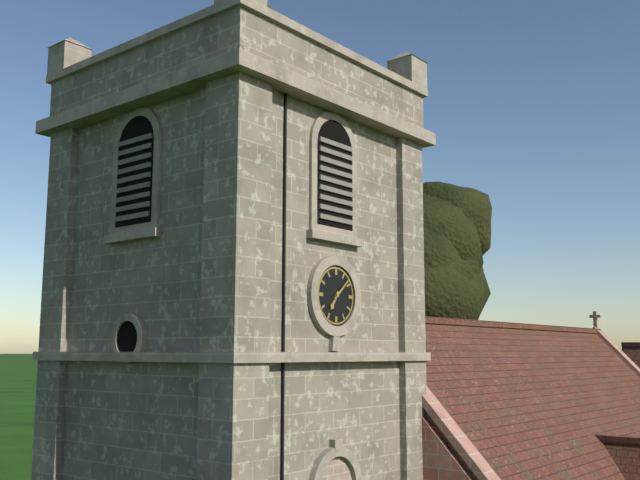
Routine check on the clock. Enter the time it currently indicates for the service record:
7:08
